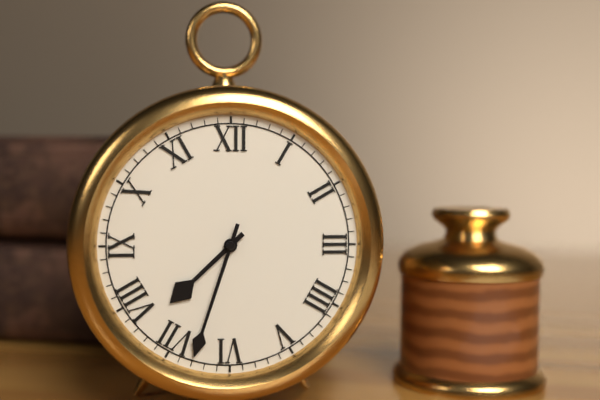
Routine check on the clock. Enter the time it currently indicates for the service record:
7:33
